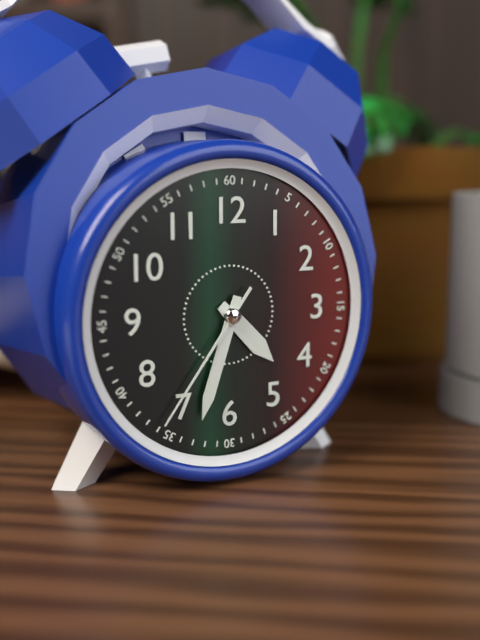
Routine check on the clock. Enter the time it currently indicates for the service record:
4:33:36
